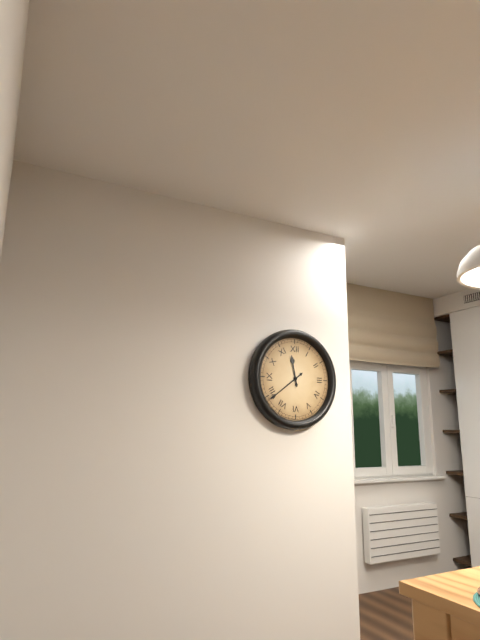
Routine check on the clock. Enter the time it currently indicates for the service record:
11:39
